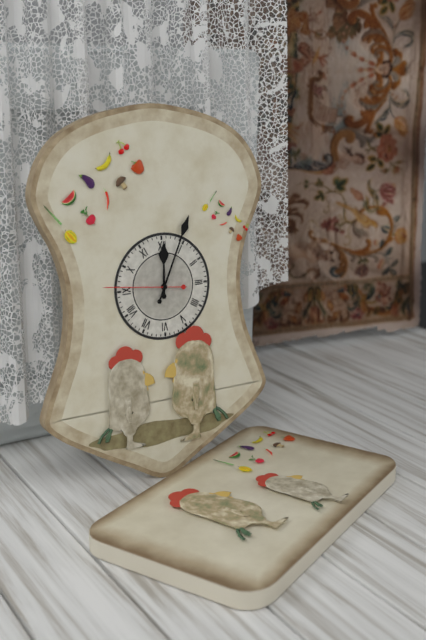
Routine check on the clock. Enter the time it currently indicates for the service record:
12:04:46
